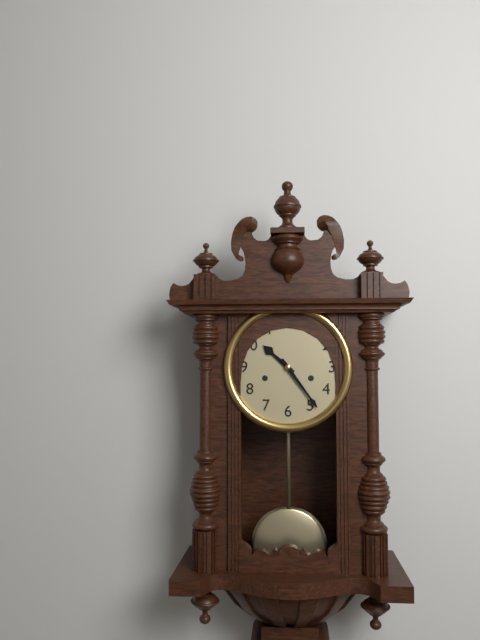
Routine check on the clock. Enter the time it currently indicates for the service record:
10:24
